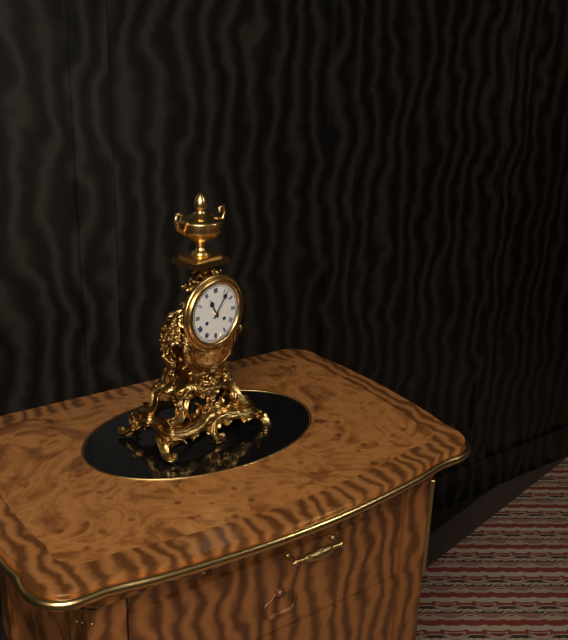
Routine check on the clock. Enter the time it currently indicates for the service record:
11:06
